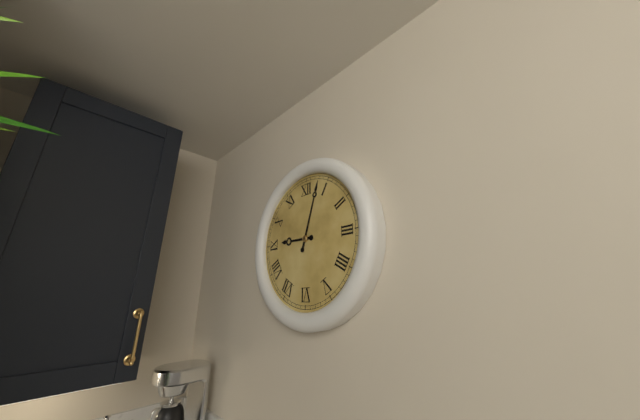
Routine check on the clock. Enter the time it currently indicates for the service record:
9:03
